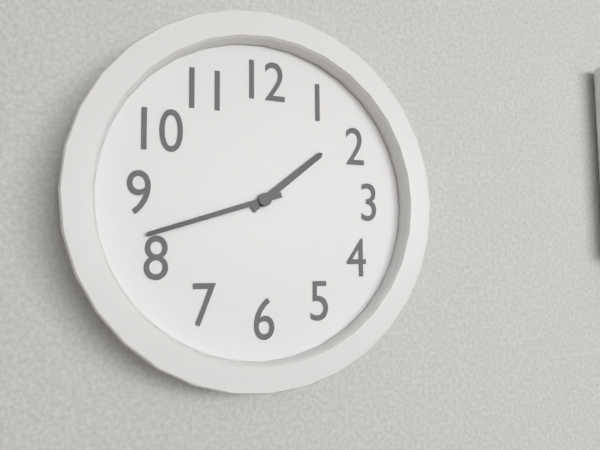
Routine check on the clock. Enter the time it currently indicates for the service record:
1:42
